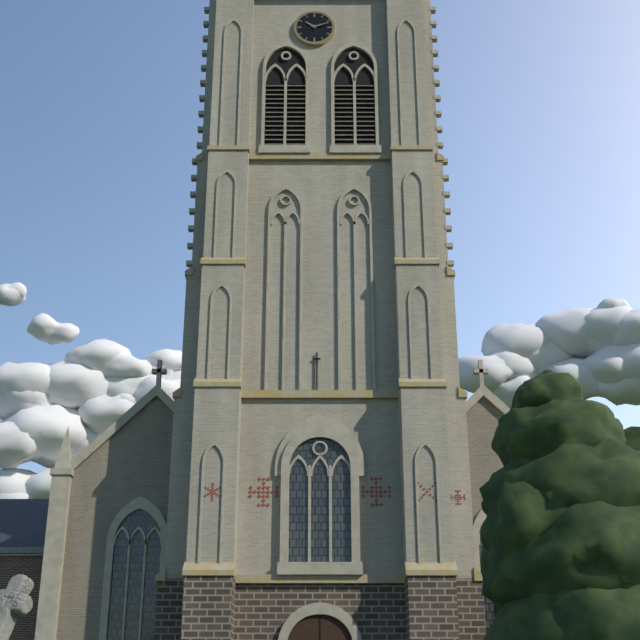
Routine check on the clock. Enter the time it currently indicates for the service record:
10:12
